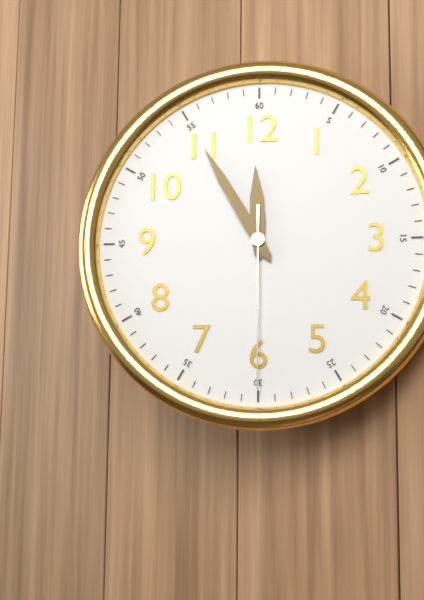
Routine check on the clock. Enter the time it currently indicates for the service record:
11:55:30
